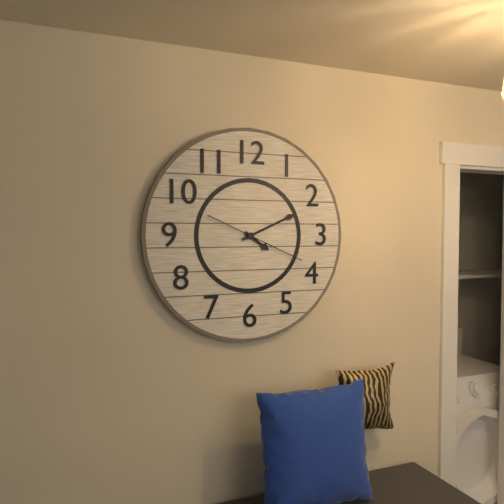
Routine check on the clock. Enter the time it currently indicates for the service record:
4:11:19
